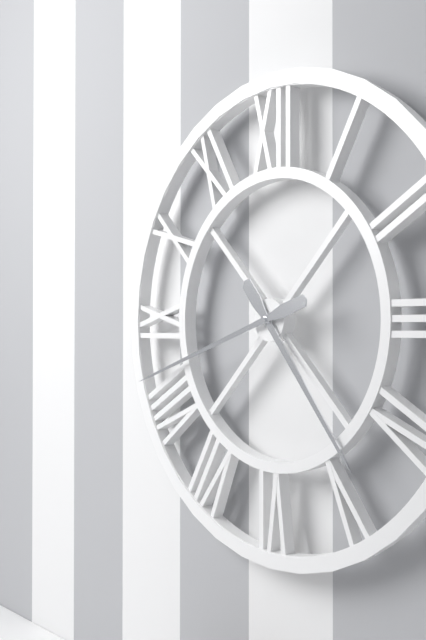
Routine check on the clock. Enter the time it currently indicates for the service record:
4:42
